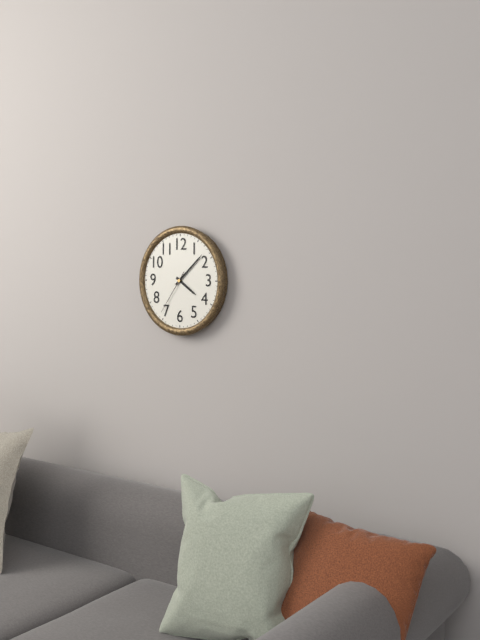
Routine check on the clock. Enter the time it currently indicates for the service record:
4:08
